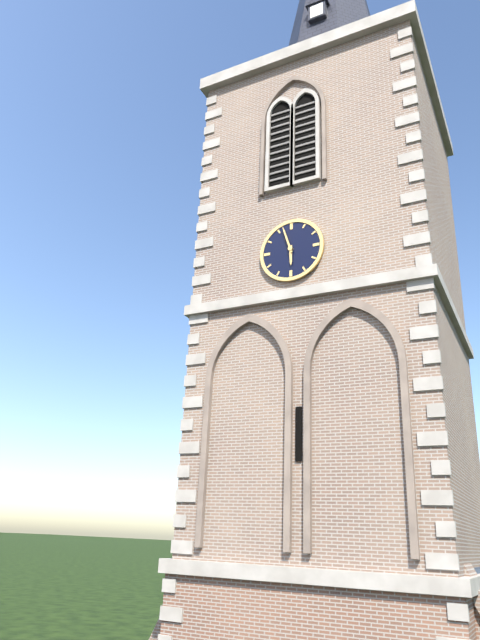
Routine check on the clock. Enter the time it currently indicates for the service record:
5:57
